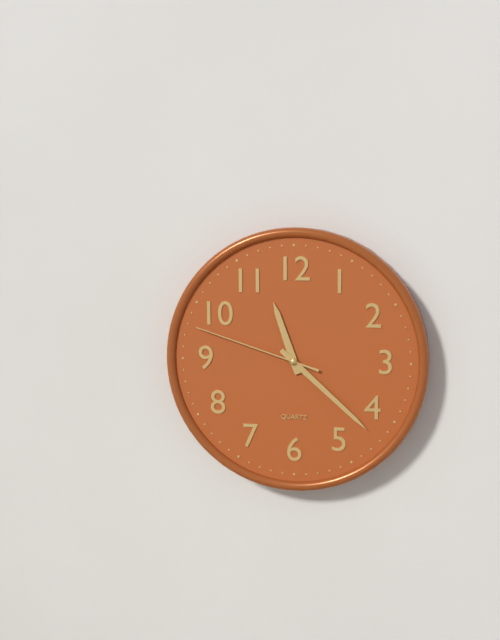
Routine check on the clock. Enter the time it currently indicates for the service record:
11:22:48
